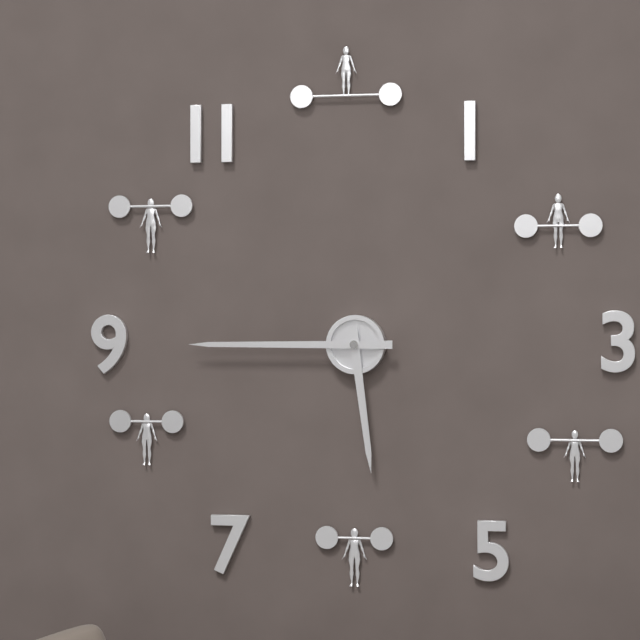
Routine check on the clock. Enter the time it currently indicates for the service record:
5:45
